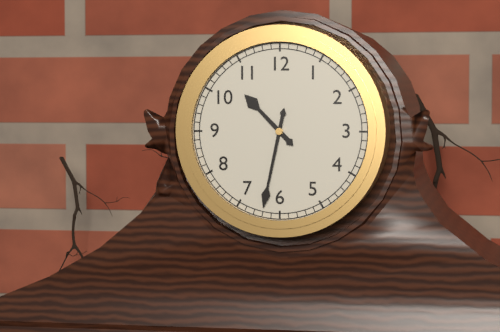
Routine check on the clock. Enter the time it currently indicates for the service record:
10:32
